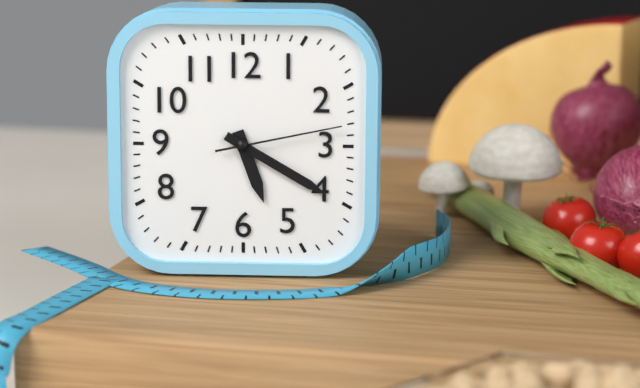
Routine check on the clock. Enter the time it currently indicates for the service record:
5:20:13
